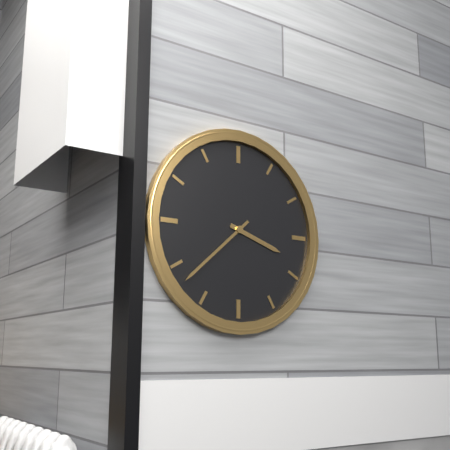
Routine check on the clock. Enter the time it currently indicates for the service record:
3:38
